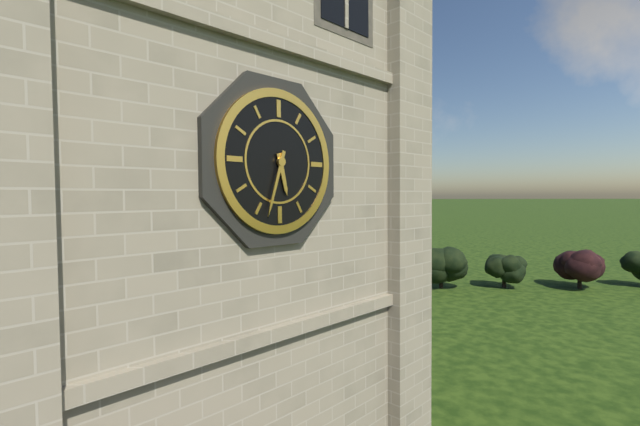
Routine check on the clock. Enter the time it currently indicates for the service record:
5:33
